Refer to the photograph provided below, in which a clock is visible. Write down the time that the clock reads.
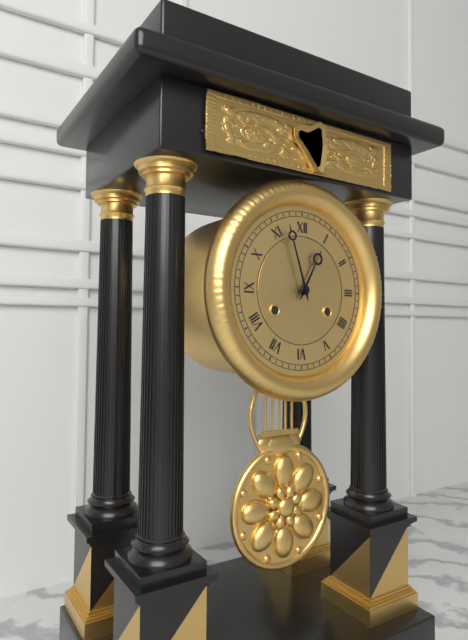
12:57
